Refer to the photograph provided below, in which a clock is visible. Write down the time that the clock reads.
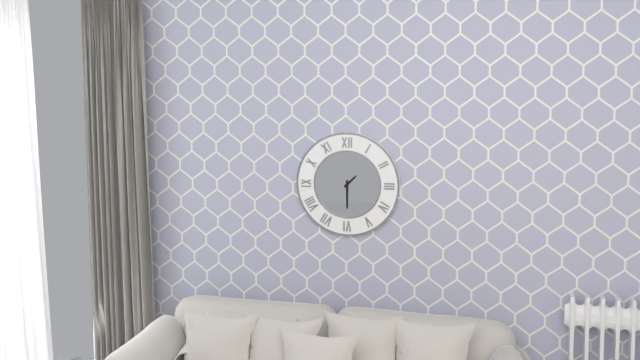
1:30
